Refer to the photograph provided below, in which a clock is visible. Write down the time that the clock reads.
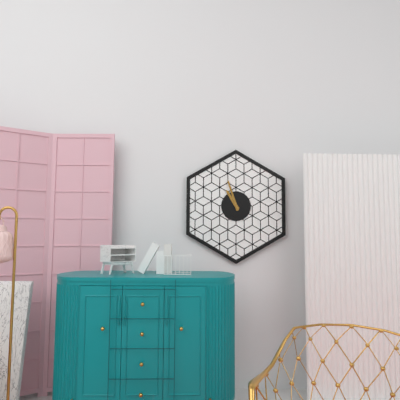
10:57
